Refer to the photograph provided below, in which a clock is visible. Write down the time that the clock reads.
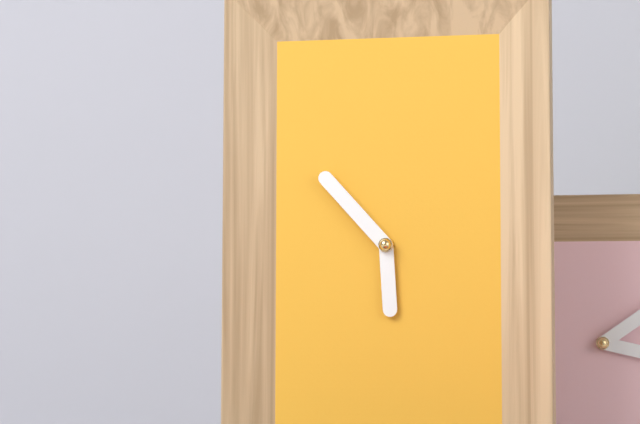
5:53
